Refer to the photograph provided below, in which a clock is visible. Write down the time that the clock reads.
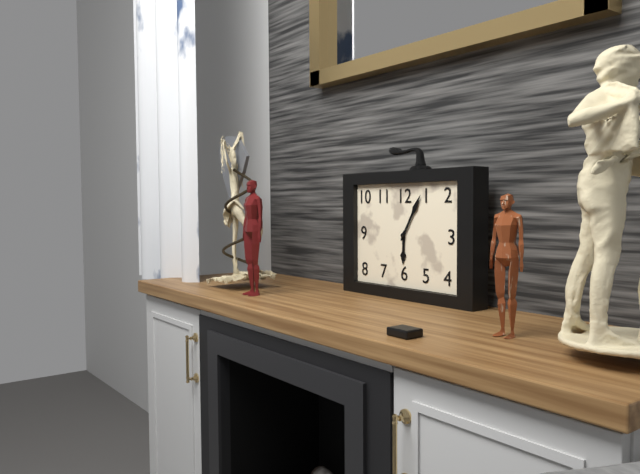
6:05
